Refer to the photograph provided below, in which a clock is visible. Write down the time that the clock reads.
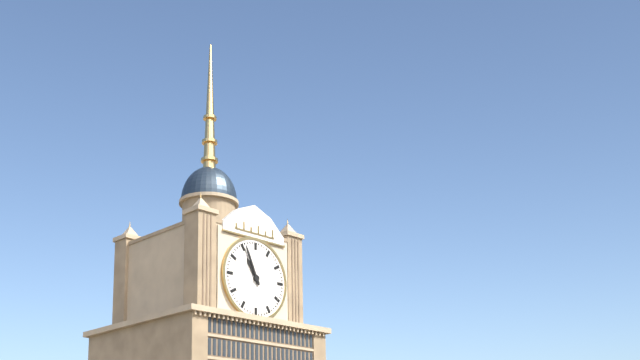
10:56
